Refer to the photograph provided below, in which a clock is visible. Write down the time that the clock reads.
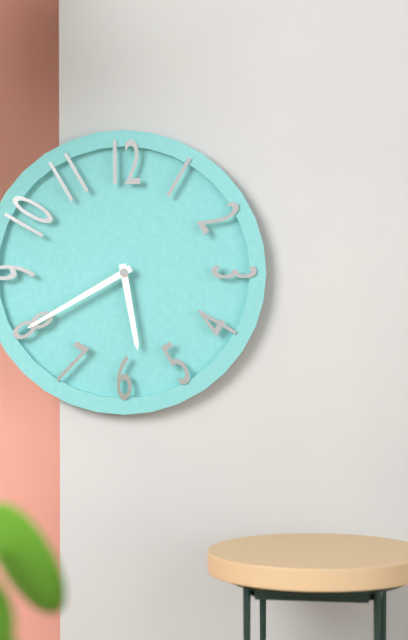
5:40
